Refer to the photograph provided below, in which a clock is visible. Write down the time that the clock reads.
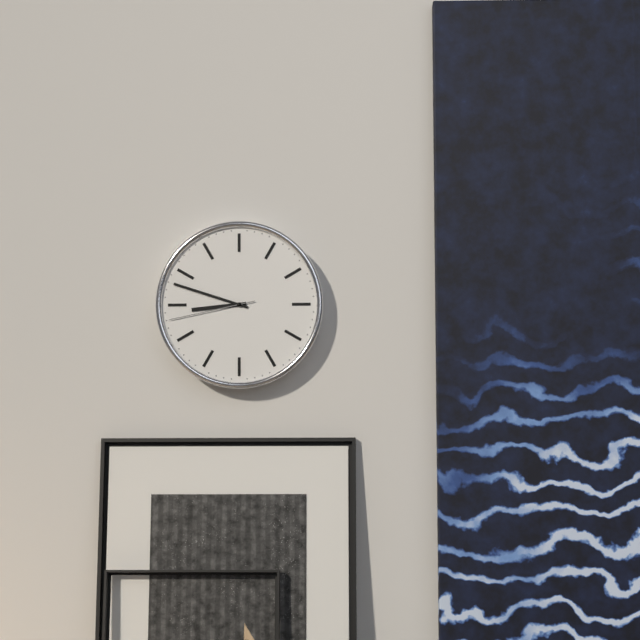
8:48:43
